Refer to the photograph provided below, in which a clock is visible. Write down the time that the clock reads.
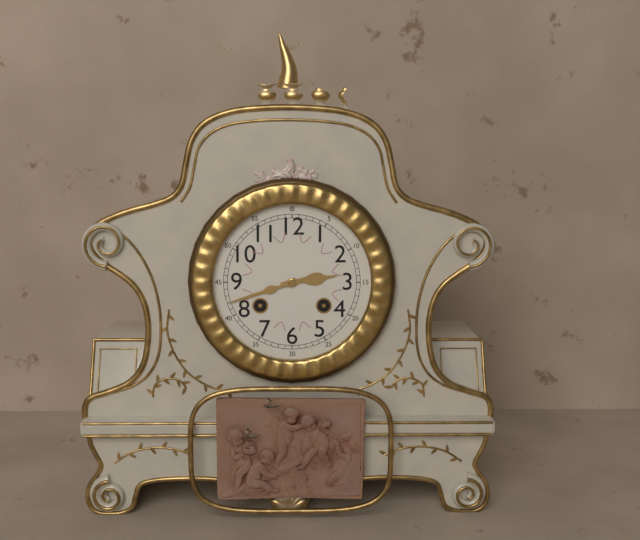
2:42
